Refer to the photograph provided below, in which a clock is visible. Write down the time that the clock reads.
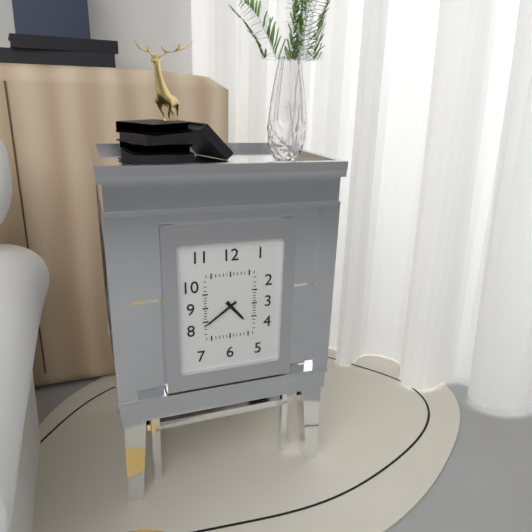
4:39
